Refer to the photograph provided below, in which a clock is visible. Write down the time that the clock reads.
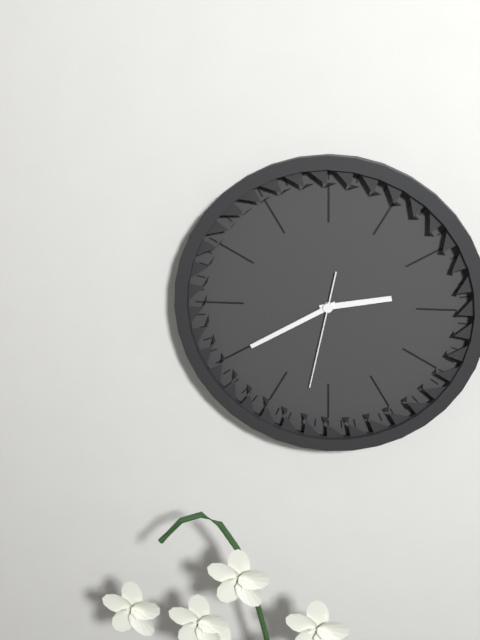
2:40:32
